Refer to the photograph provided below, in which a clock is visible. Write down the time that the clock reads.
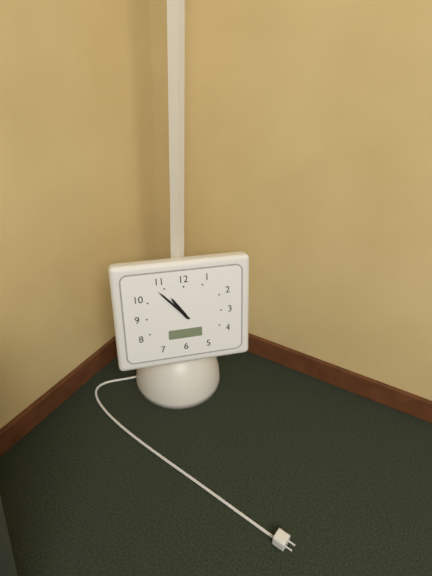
10:53
